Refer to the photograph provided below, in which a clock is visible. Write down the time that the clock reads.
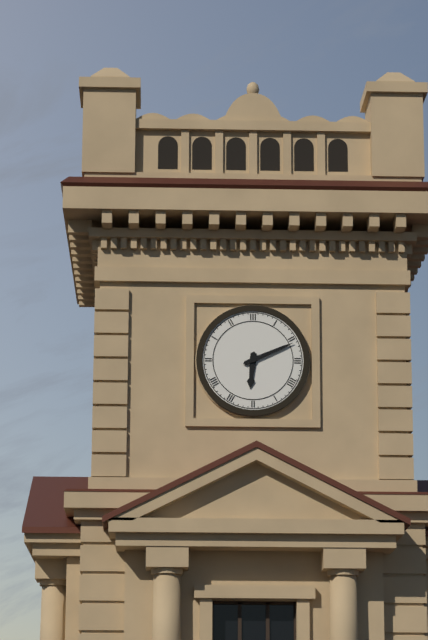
6:11
